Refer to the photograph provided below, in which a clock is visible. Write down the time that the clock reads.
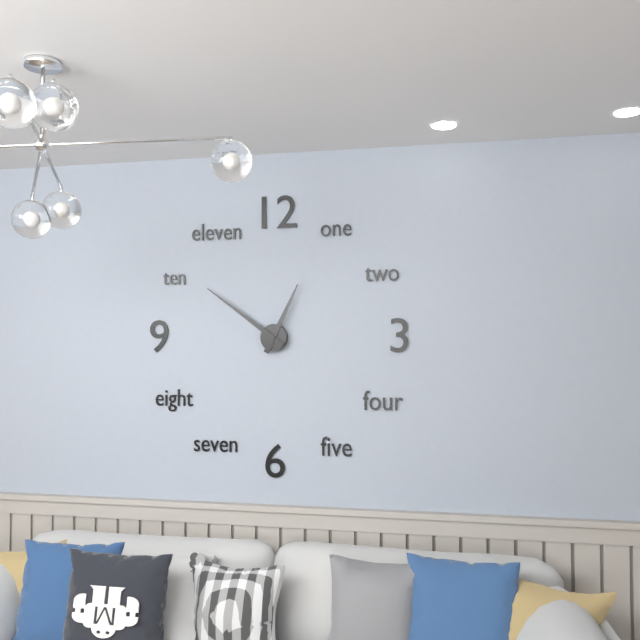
12:51
